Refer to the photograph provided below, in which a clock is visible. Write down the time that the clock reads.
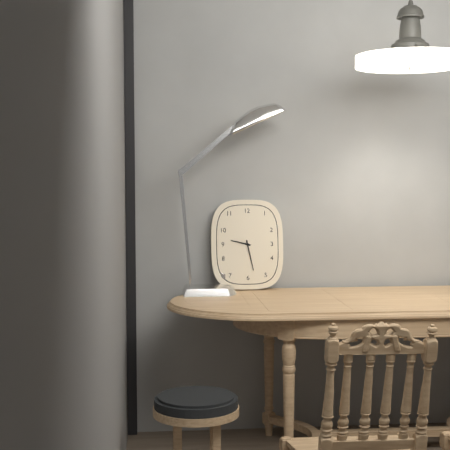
9:28
